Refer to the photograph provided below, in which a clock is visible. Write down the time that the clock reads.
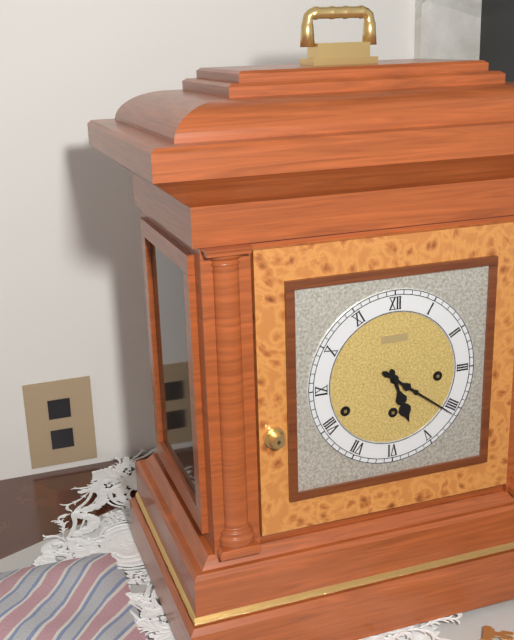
5:21
